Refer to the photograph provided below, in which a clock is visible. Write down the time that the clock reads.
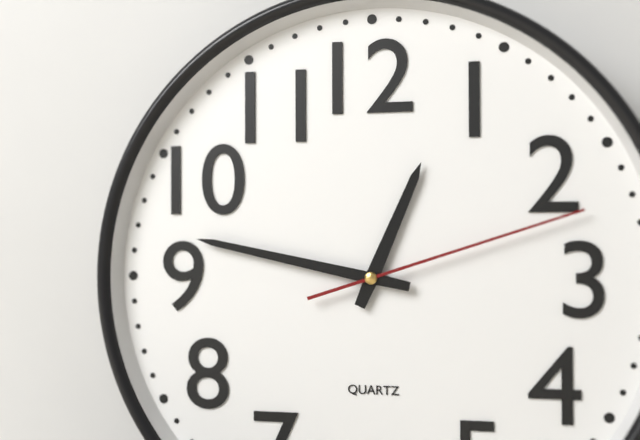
12:47:12
